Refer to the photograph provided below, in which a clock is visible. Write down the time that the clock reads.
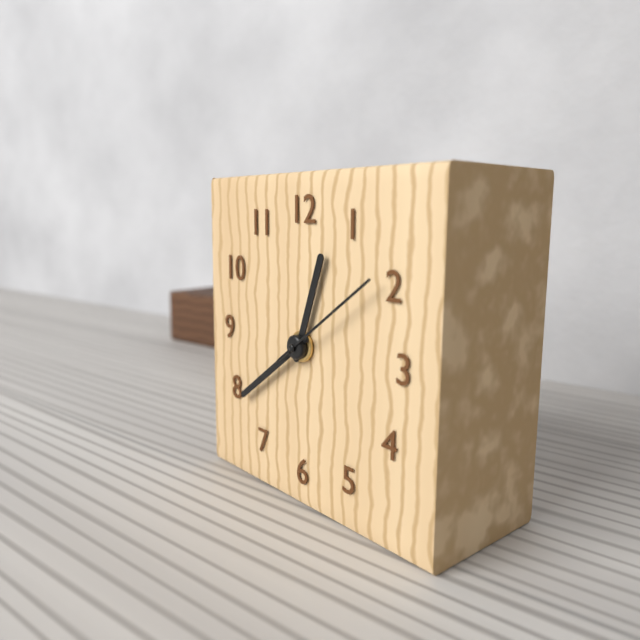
12:39:09
